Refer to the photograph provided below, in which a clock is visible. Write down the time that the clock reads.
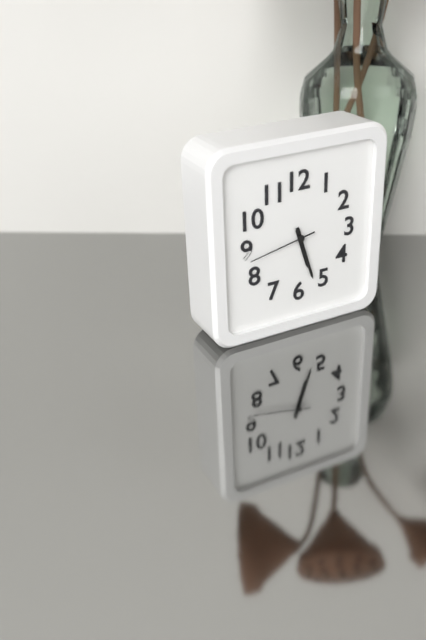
5:27:43
